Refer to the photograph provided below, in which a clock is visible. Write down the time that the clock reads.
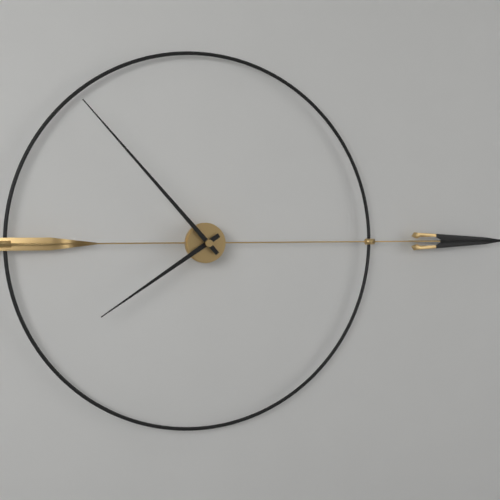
7:53
